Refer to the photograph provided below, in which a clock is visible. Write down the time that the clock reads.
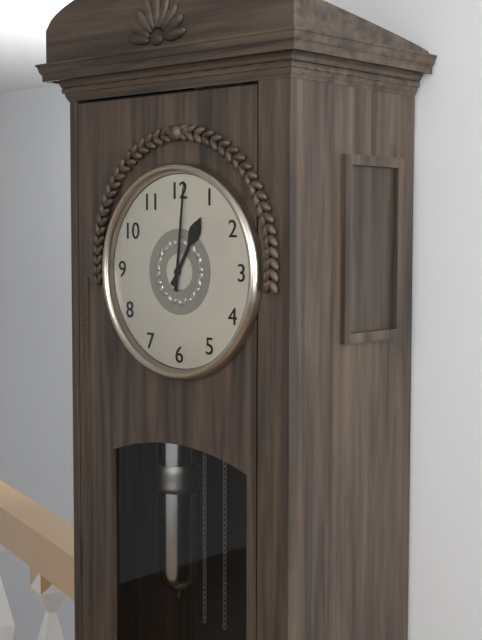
1:01
